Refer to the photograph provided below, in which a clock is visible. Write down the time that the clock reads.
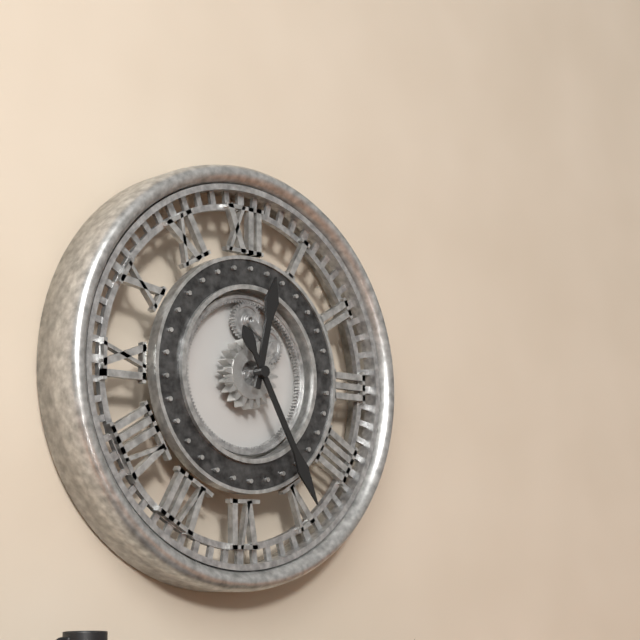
12:25
